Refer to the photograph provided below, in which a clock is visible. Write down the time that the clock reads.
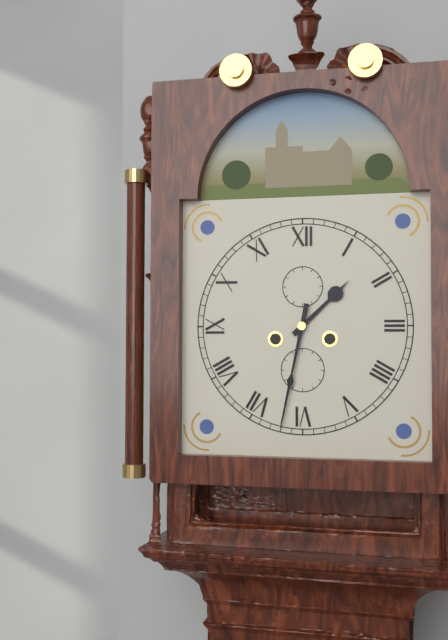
1:32
